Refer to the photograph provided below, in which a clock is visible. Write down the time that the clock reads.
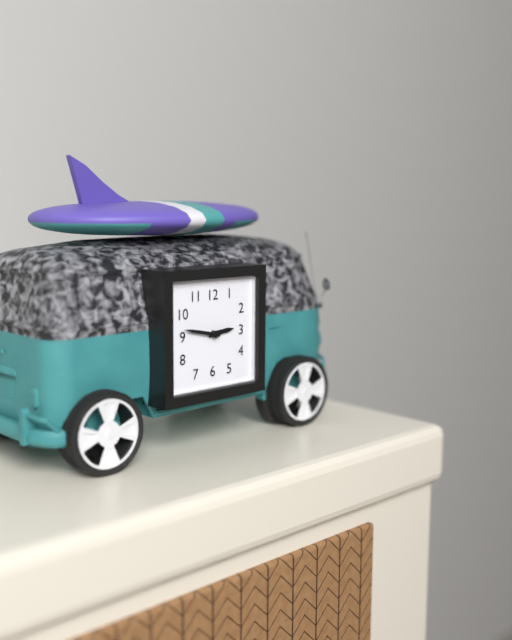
2:47
